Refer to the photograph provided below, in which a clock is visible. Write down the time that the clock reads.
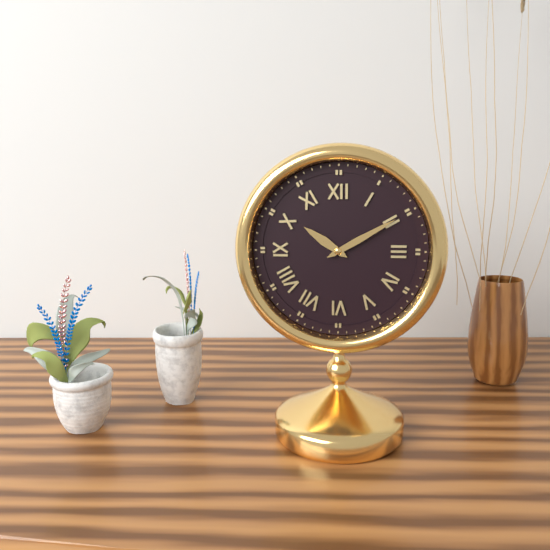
10:10
